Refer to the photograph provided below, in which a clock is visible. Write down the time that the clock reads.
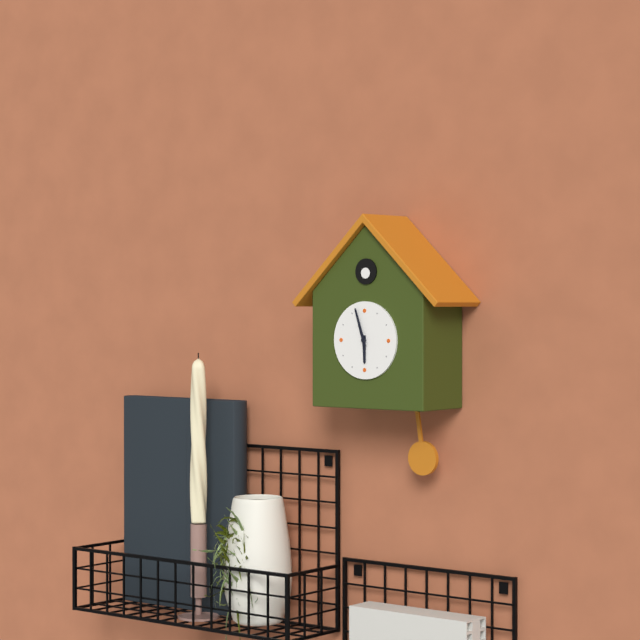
5:57
